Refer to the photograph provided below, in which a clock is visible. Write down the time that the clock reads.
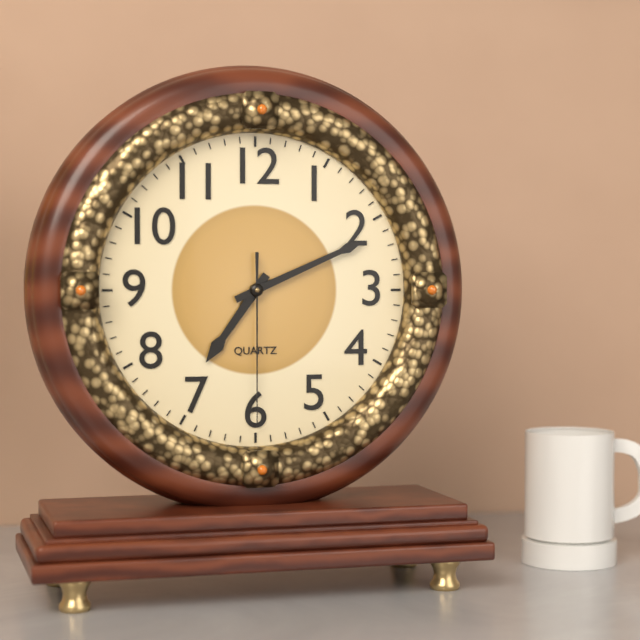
7:11:30
